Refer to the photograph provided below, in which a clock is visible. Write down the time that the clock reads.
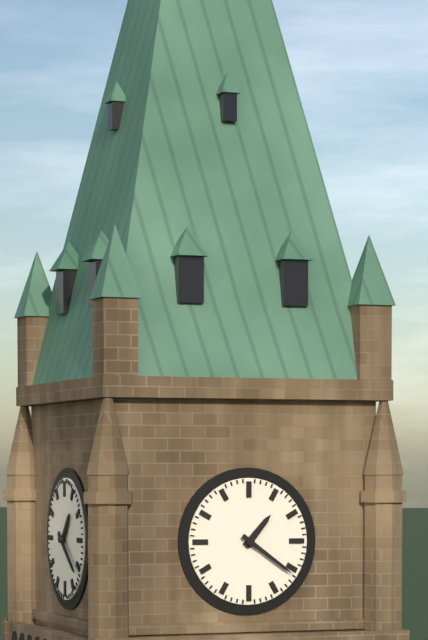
1:21
